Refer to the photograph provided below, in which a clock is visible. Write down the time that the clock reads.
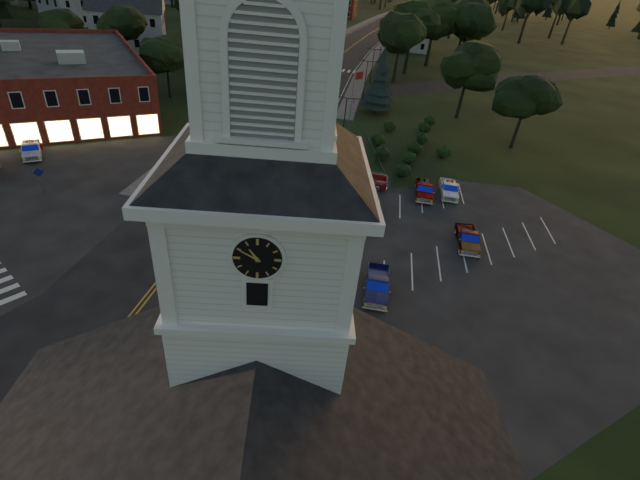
10:50
